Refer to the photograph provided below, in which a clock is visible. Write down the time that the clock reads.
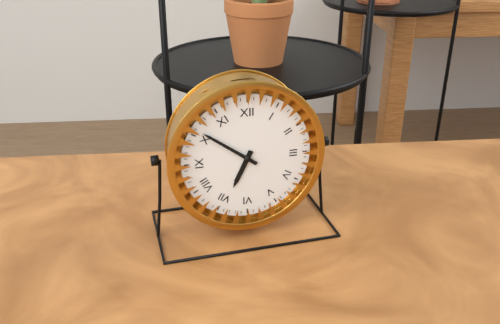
6:51
